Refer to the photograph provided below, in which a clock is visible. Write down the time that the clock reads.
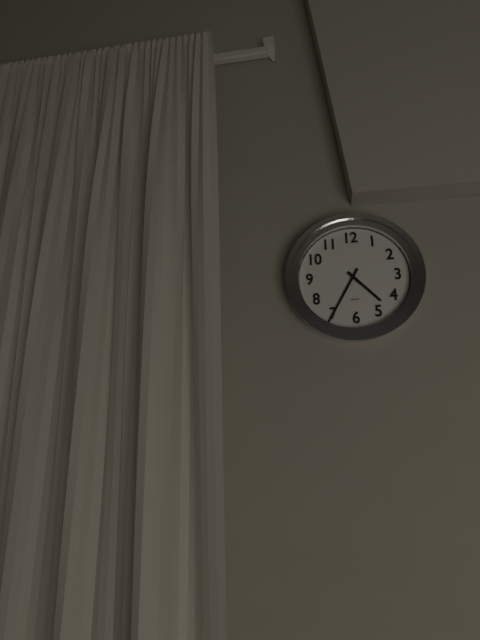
4:35
